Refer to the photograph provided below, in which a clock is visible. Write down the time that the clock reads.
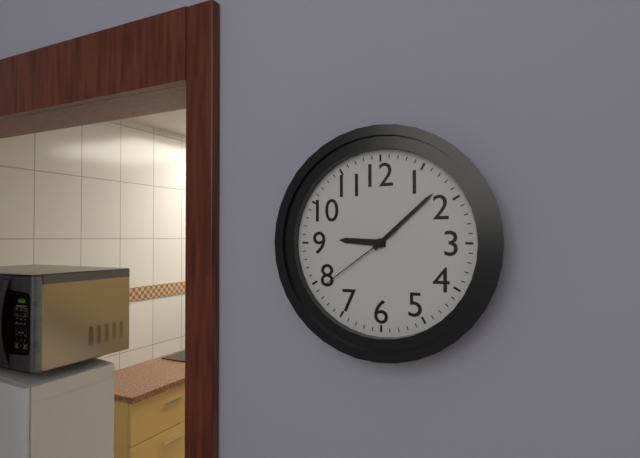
9:08:39
